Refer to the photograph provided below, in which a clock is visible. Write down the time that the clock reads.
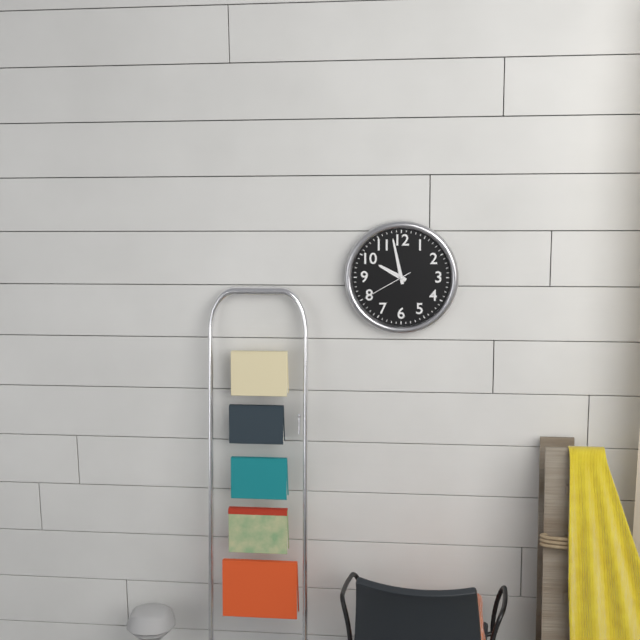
9:58:40
